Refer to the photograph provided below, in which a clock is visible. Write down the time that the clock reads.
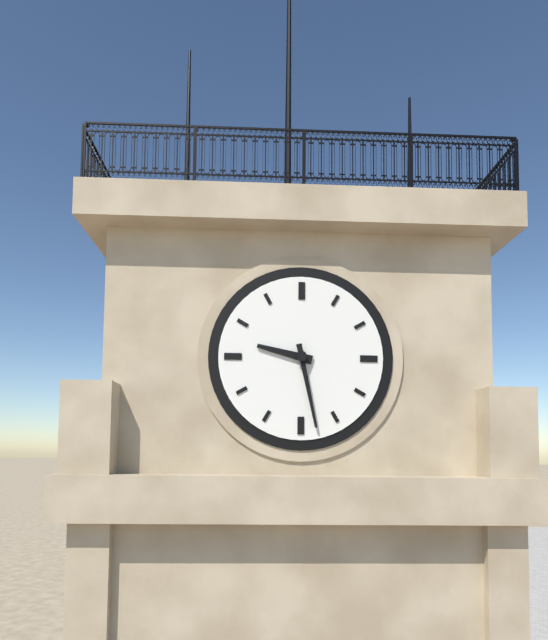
9:28
